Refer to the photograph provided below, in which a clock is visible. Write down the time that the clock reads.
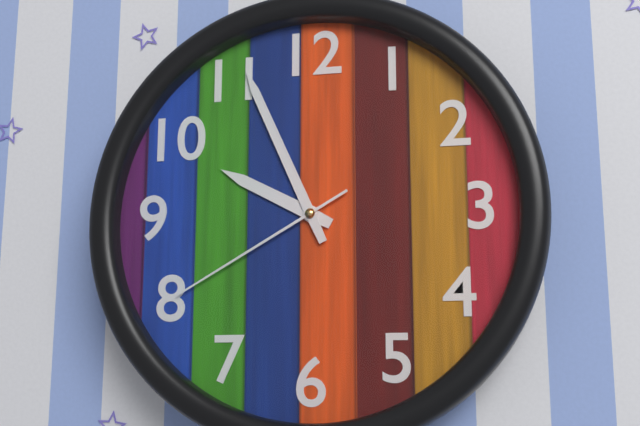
9:56:40
